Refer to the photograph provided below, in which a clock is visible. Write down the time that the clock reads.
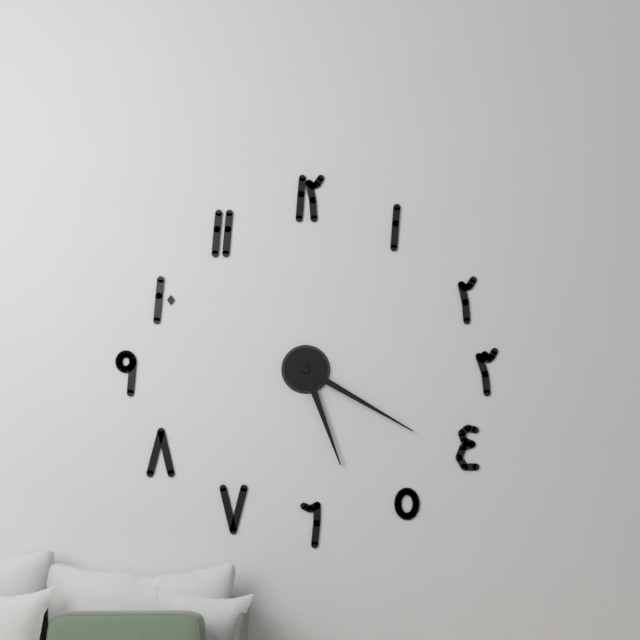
5:20
